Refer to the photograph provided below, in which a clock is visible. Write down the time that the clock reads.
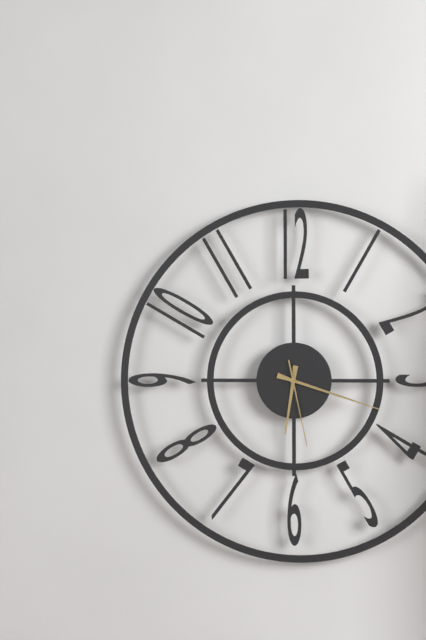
6:18:28
